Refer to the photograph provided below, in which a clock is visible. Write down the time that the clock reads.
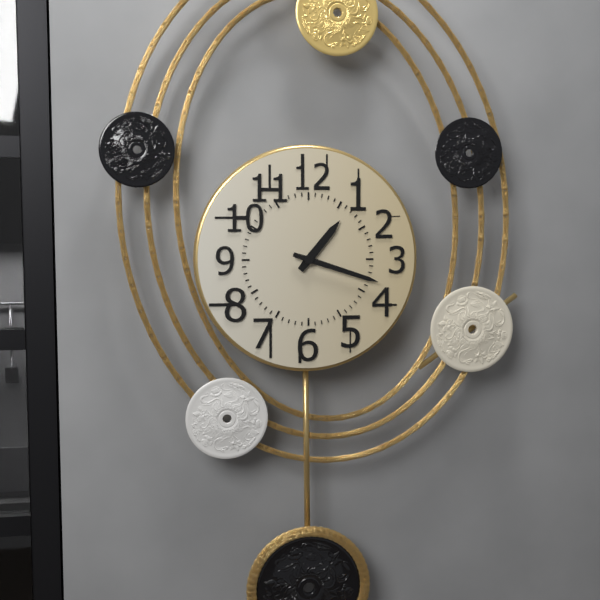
1:18
